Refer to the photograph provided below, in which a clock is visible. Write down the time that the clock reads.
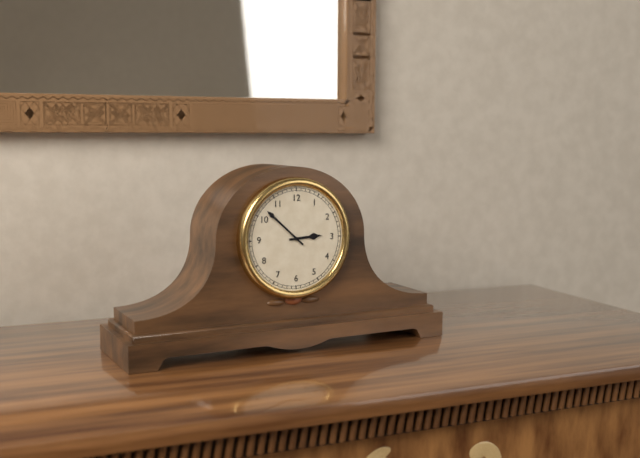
2:52
